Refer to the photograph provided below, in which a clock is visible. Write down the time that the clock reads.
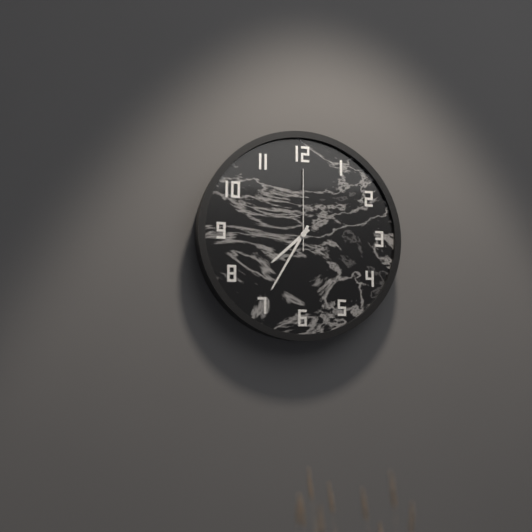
7:35:00
